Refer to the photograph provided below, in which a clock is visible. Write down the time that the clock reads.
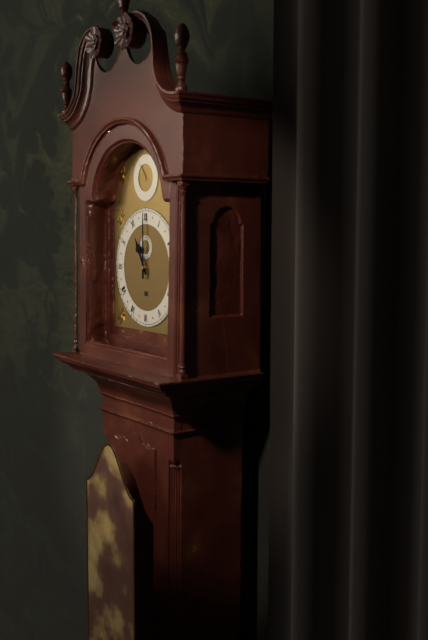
11:00
